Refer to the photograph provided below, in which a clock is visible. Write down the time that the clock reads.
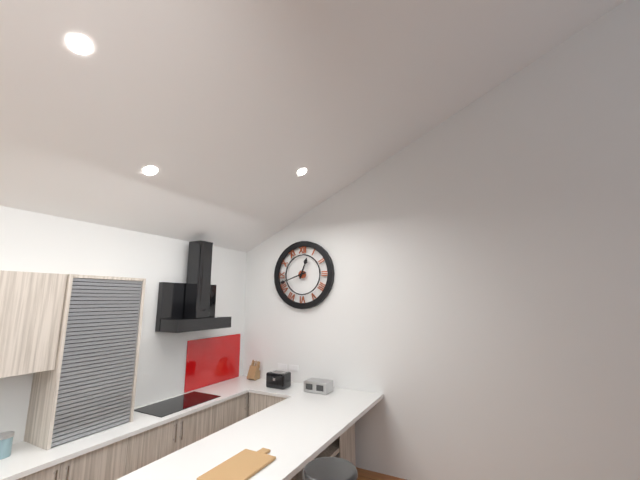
12:42
